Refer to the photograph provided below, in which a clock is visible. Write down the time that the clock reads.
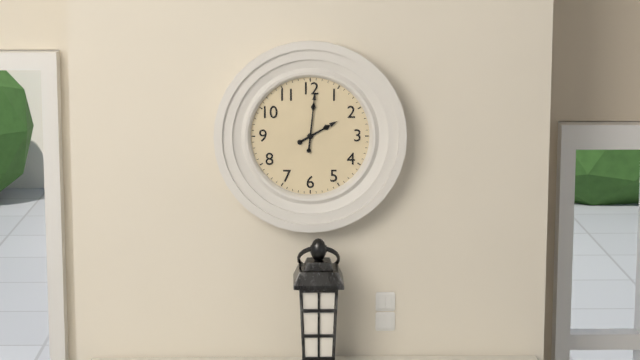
2:01
